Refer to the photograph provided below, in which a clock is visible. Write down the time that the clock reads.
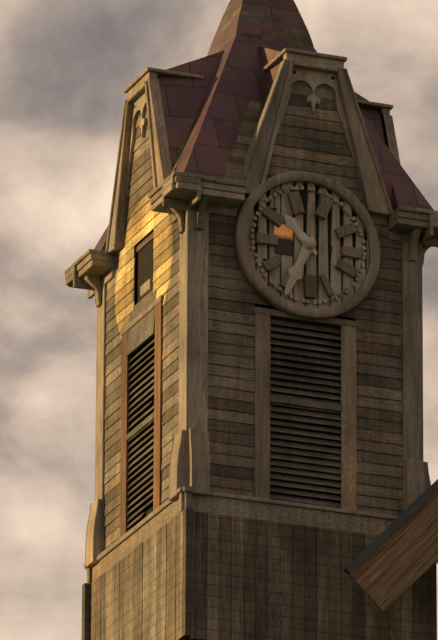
10:34
